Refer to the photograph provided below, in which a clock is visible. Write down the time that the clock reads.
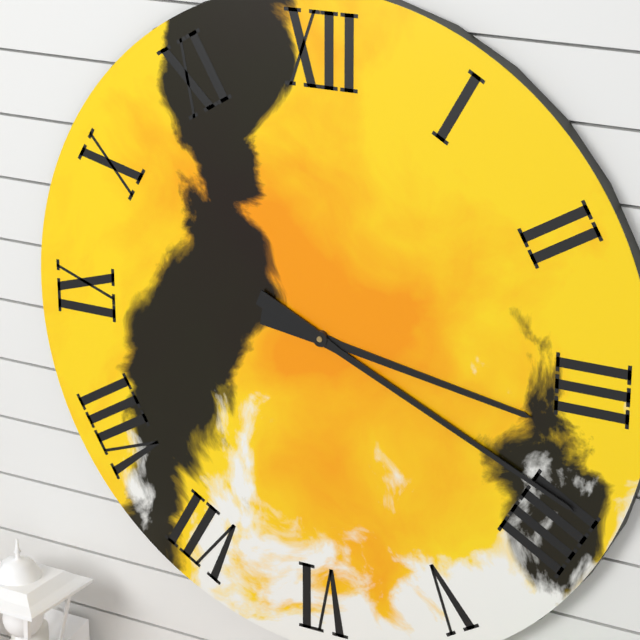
3:19
